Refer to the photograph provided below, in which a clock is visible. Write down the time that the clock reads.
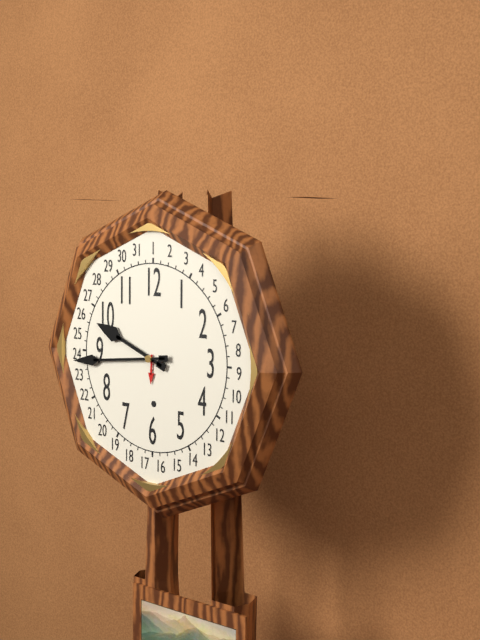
9:44
